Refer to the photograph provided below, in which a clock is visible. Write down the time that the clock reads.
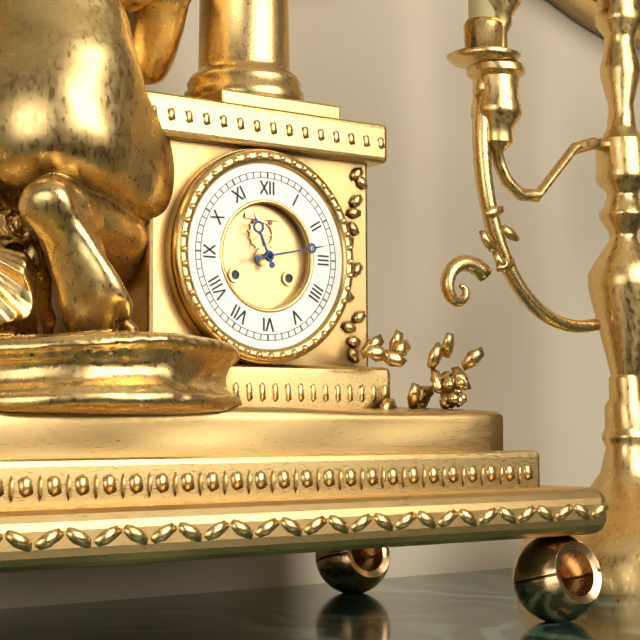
11:13
